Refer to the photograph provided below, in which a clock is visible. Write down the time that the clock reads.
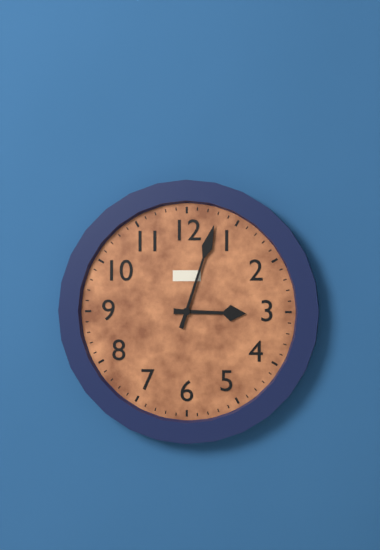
3:03
